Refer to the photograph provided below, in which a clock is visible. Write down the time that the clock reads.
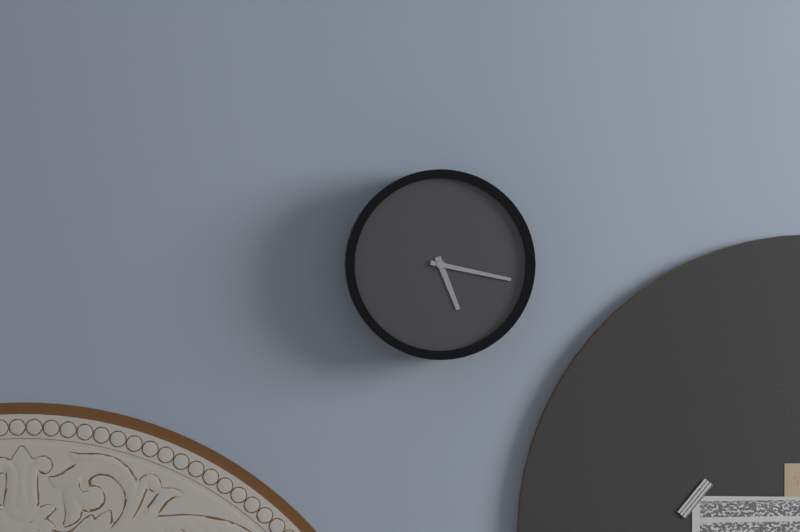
5:17
